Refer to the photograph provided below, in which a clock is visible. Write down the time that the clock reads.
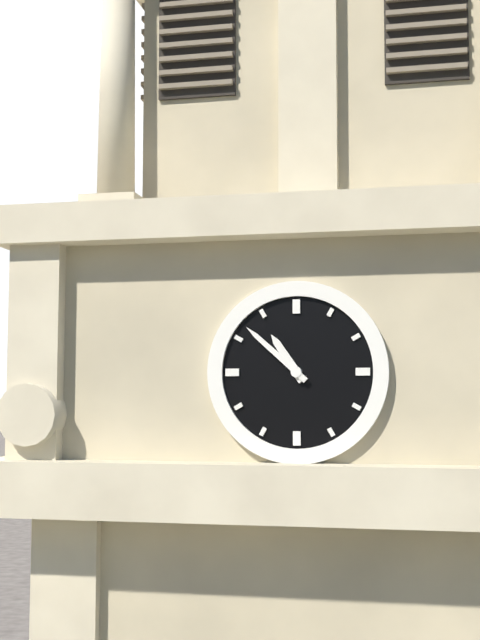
10:52
